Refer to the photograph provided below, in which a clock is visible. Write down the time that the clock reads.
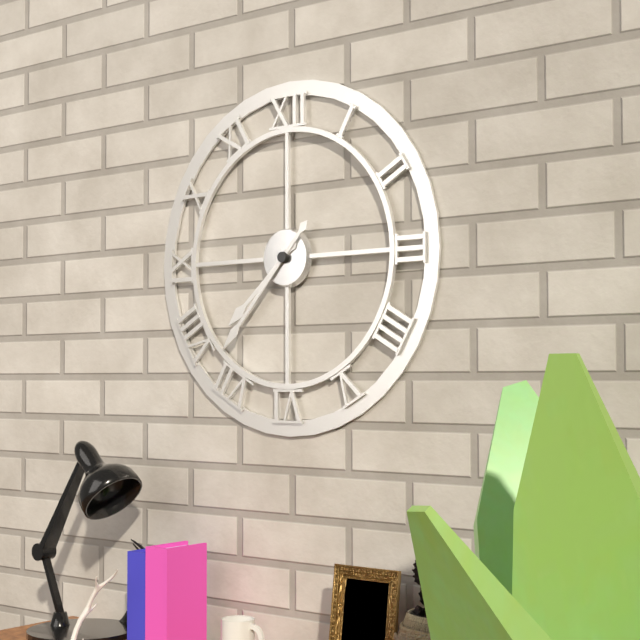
7:37
